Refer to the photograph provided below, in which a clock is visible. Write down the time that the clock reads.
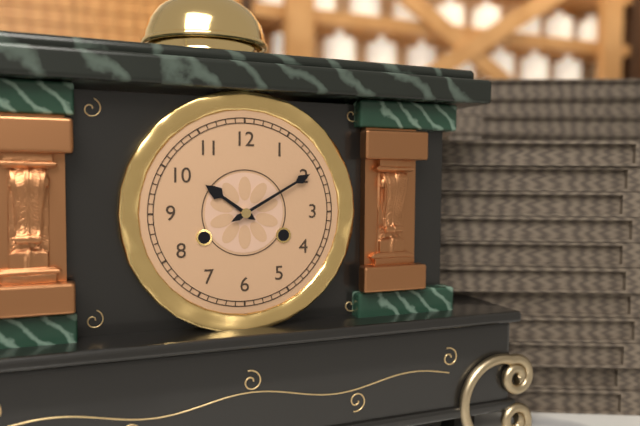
10:10
